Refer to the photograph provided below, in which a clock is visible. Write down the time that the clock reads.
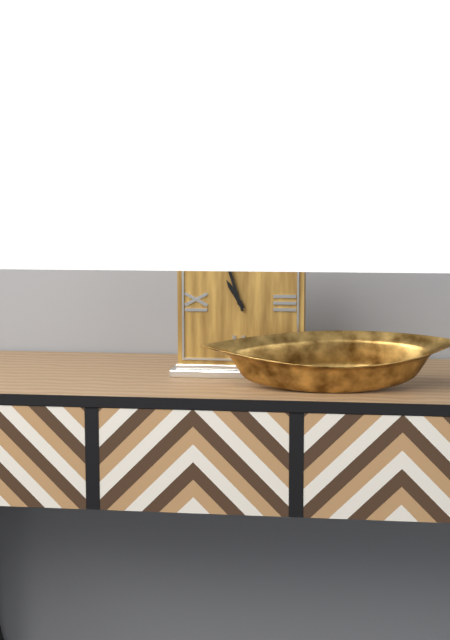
10:57
